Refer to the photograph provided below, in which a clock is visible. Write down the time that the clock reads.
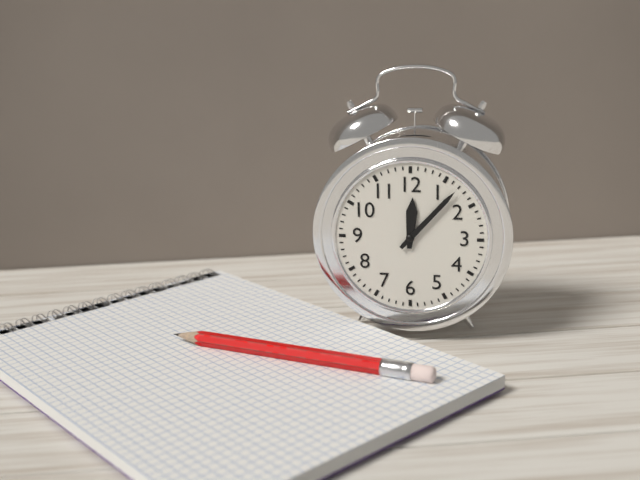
12:07
